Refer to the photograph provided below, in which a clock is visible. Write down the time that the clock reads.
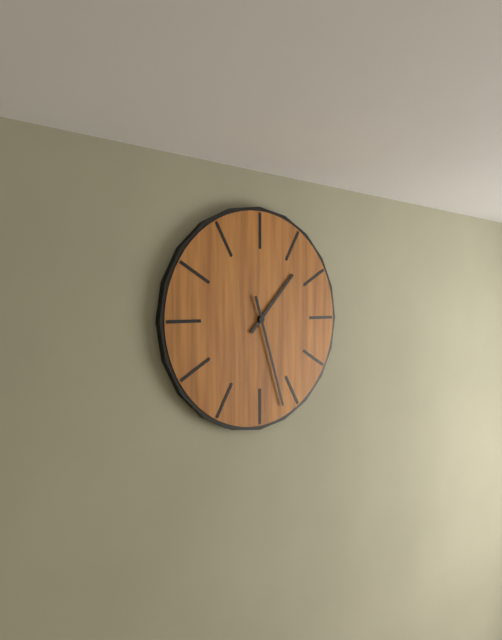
1:27
